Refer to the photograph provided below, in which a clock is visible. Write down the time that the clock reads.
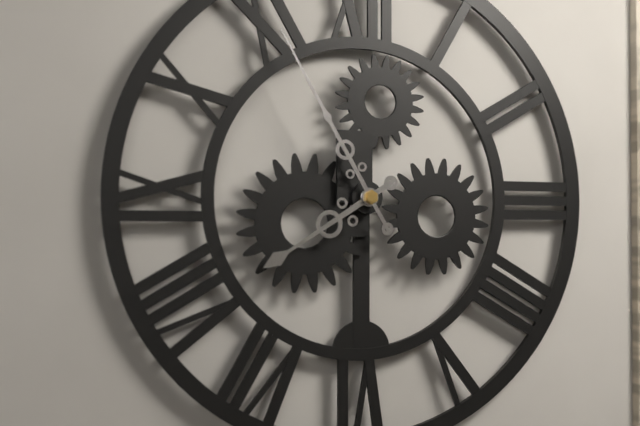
7:55
